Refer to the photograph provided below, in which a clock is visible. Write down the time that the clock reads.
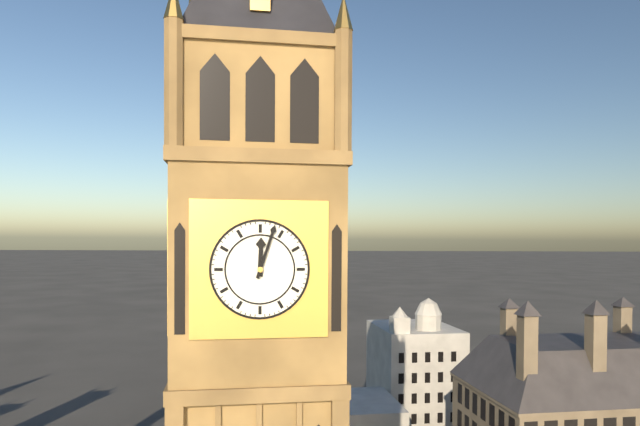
12:03
